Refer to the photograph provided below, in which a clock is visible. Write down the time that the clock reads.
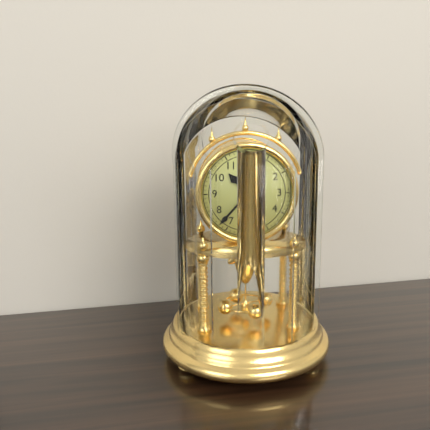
10:37
